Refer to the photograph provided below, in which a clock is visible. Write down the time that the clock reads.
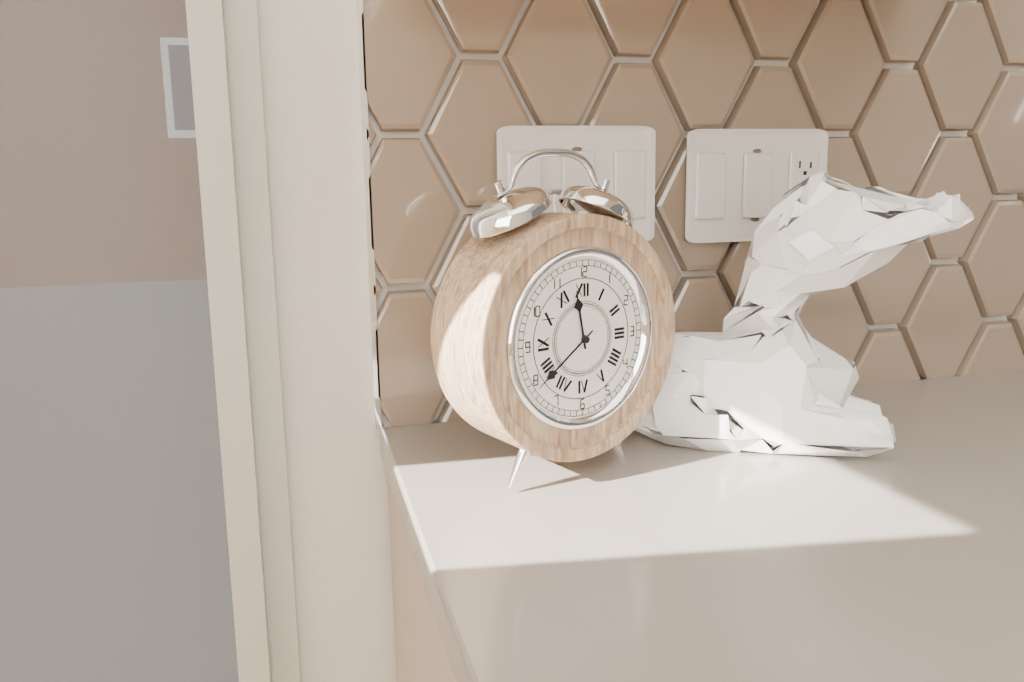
11:39
